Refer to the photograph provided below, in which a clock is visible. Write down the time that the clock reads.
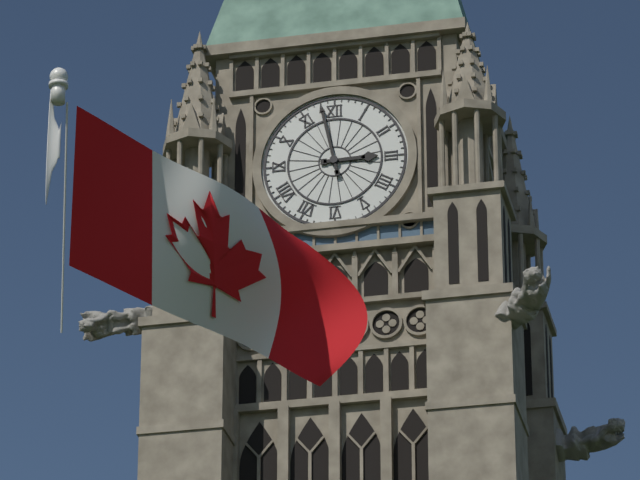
2:58
